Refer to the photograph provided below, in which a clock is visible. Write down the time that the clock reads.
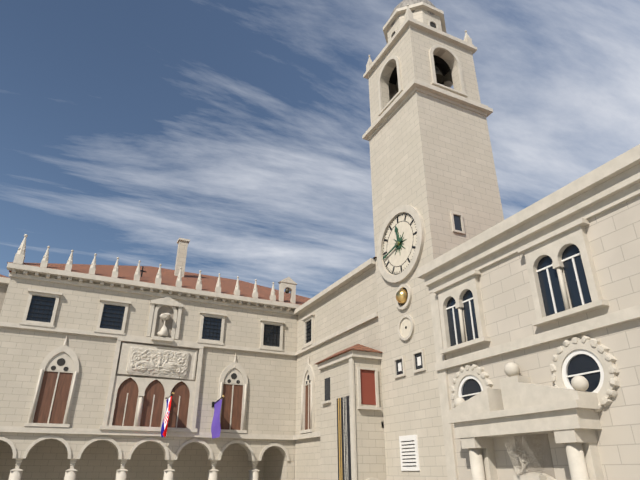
11:43
